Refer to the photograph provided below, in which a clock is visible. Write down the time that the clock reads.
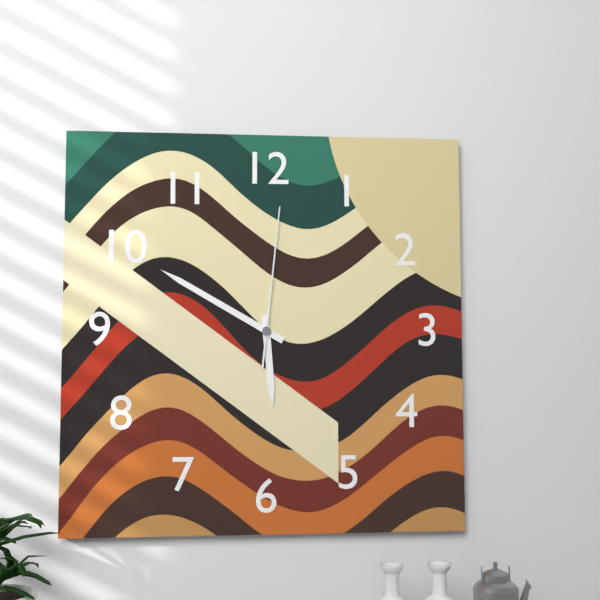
5:50:01
